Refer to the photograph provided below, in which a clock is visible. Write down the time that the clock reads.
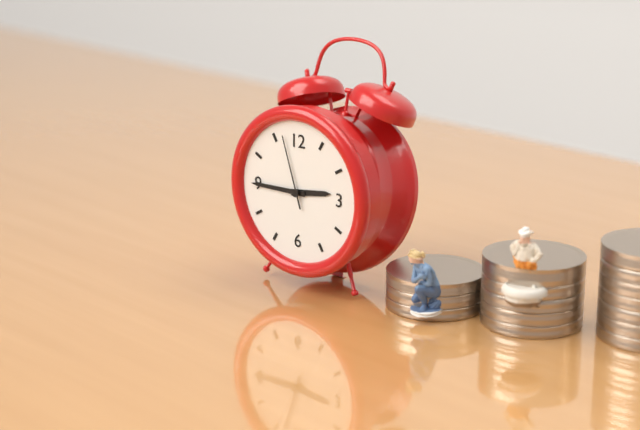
2:45:57
